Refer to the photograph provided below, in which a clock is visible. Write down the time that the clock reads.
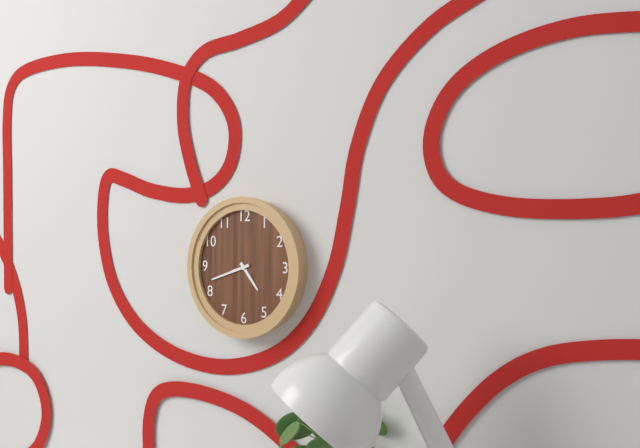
4:42
